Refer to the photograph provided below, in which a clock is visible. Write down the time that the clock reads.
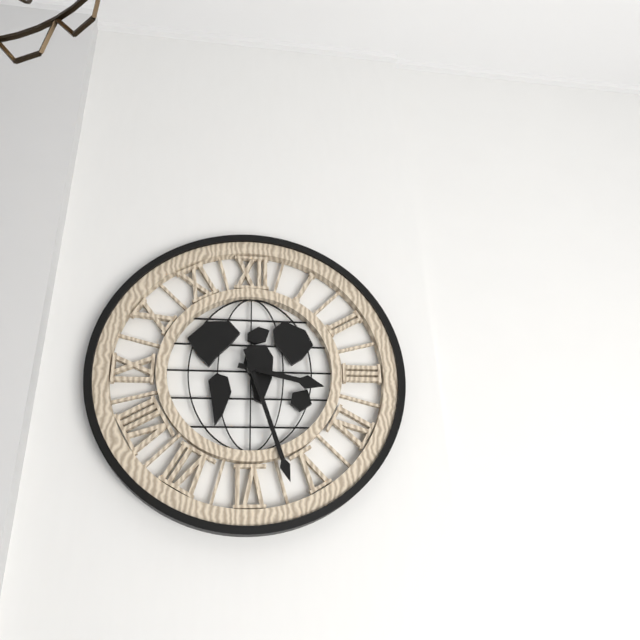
3:27
